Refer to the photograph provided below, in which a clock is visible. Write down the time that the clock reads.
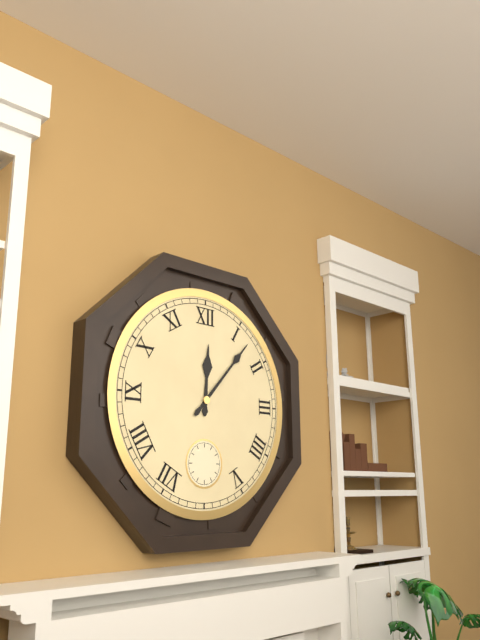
12:07
